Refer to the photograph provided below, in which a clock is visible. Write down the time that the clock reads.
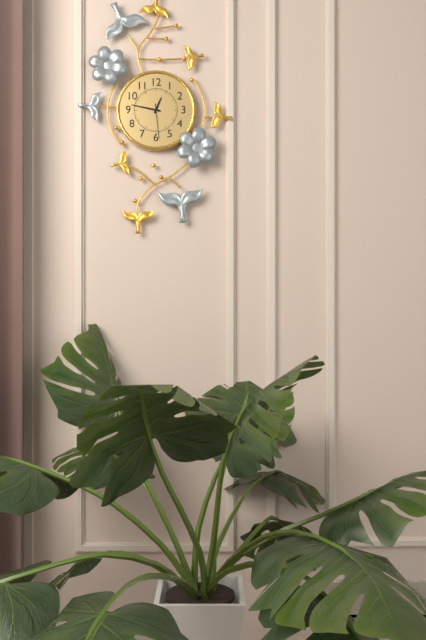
12:47
